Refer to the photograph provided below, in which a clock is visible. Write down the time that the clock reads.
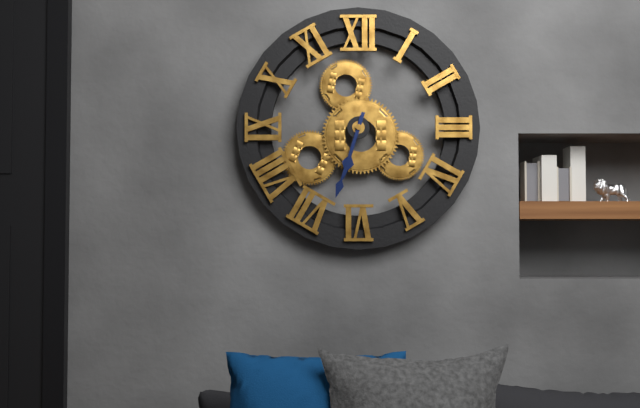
6:33
